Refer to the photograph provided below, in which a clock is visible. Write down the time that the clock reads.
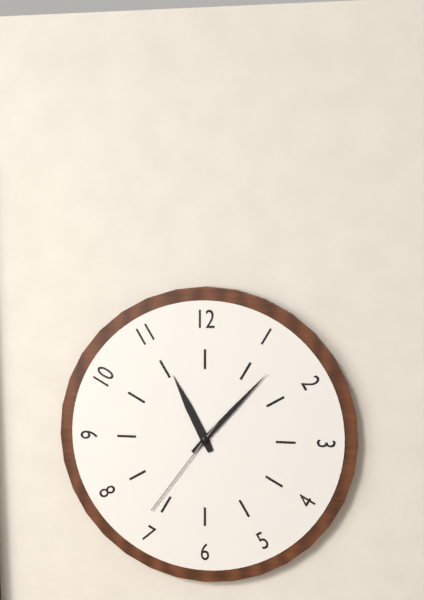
11:07:36
